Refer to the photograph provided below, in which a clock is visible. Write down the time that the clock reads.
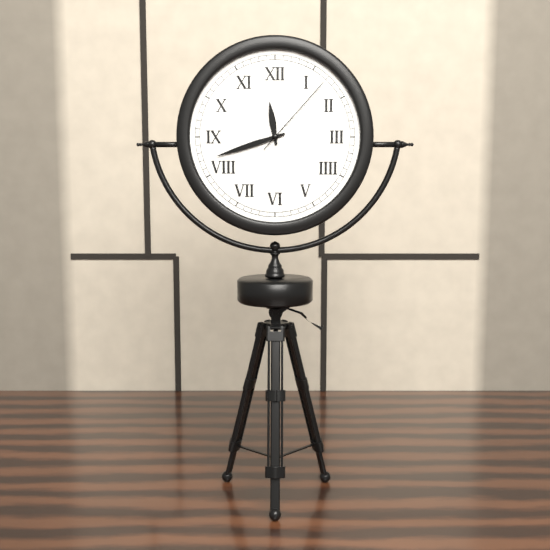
11:42:07
